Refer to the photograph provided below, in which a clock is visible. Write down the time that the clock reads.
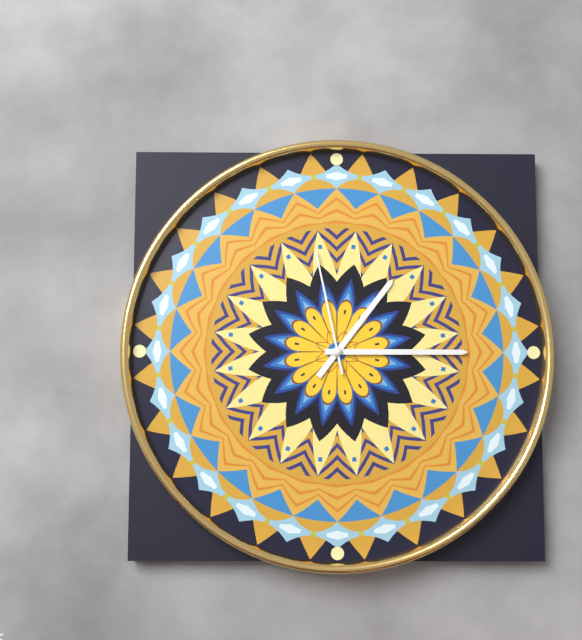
1:15:58
